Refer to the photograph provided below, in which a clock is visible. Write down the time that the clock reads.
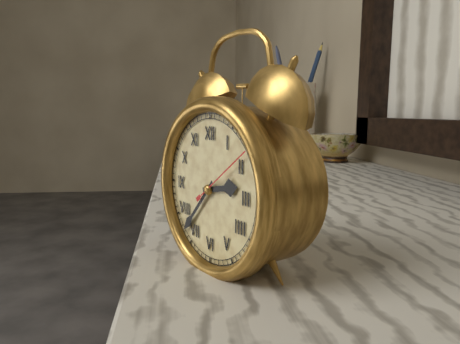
2:37:09
